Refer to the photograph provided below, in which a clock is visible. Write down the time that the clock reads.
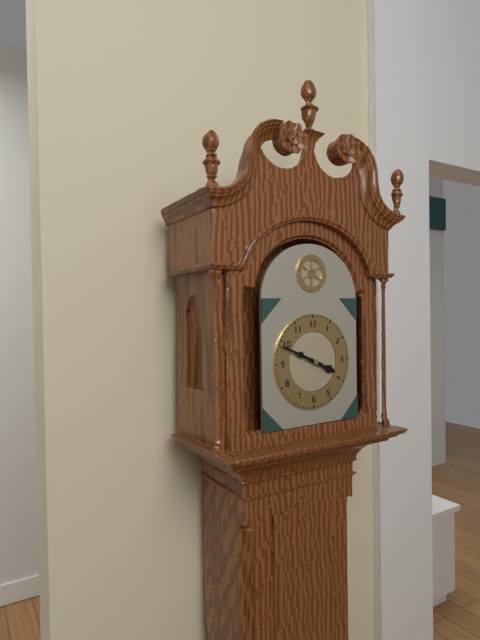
3:49
